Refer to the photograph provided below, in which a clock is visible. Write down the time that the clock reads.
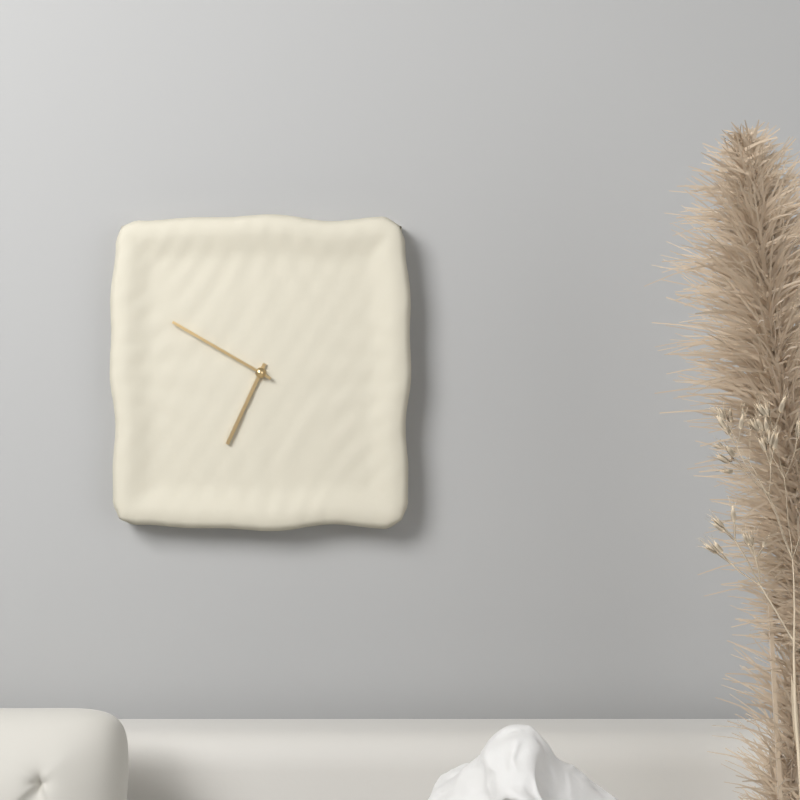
6:50
